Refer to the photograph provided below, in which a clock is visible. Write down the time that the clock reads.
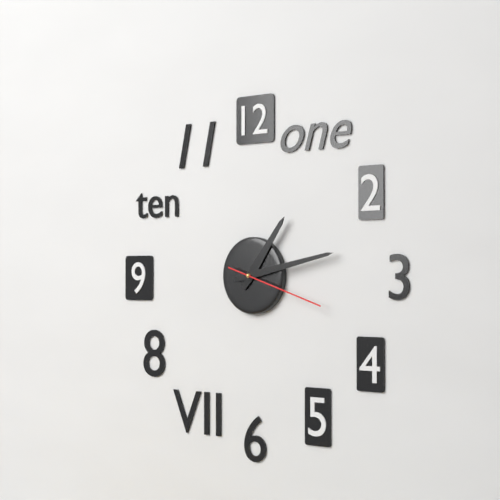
1:13:18
